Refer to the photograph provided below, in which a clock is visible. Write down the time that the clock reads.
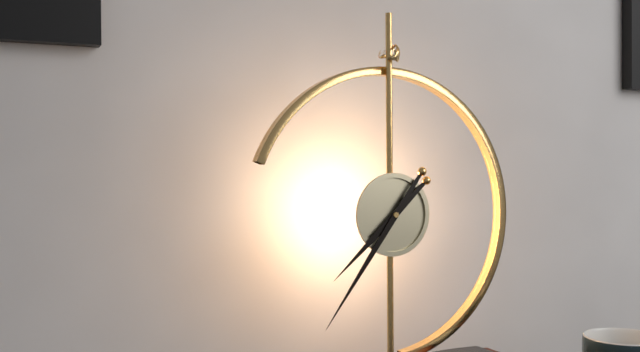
7:36
